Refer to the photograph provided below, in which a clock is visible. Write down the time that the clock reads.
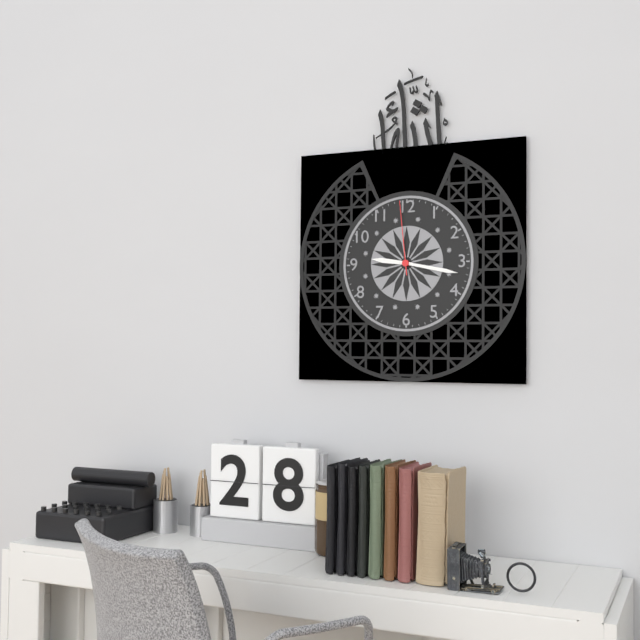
9:17:59
